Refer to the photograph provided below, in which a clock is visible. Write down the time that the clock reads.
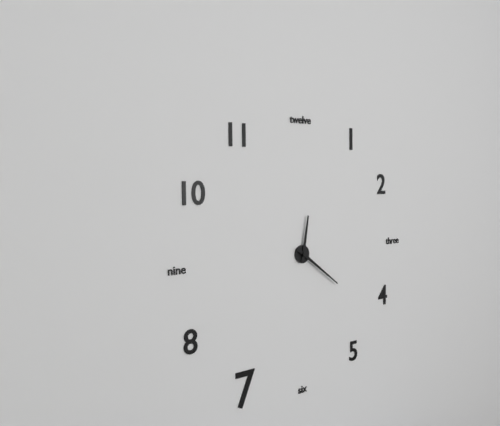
12:21
